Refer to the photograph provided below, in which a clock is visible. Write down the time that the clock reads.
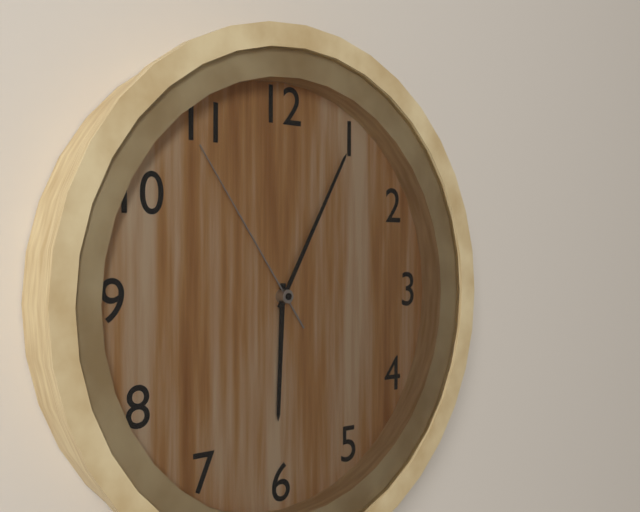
6:05:54
